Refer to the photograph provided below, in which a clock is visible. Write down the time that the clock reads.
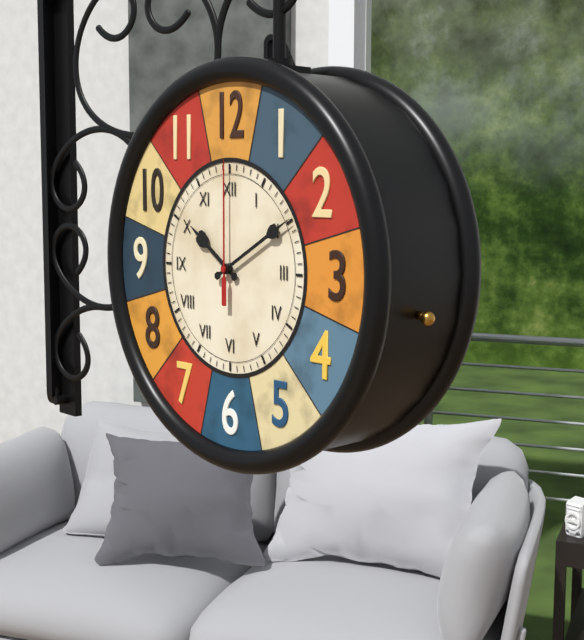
10:10:00
